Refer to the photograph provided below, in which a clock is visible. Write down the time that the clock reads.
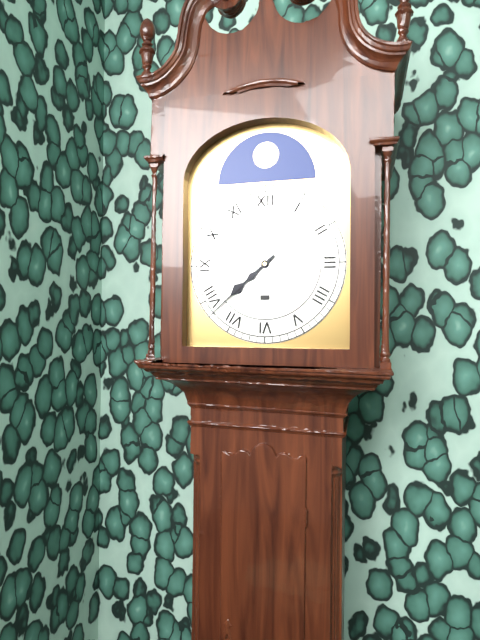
7:38
